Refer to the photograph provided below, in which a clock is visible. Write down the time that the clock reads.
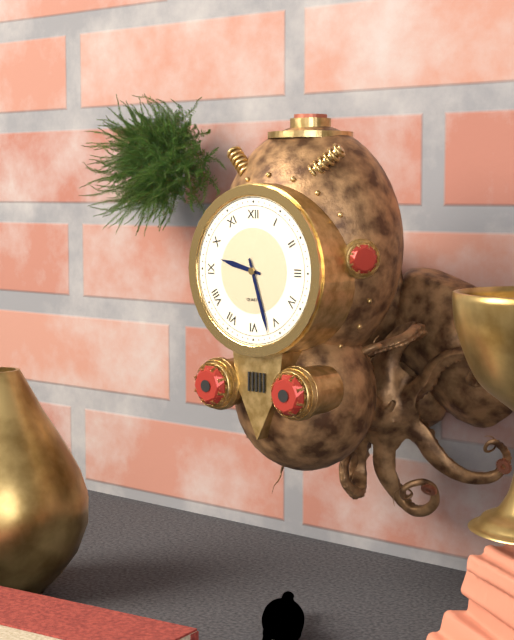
9:27
